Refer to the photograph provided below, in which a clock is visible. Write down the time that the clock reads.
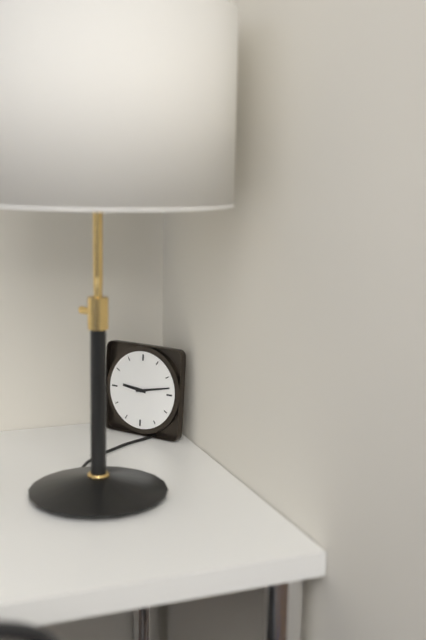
9:13
